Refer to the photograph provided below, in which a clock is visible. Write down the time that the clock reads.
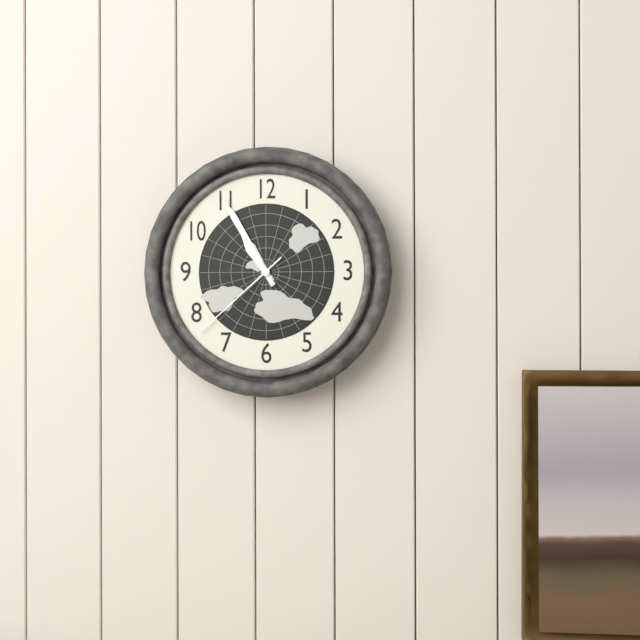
10:55:38
